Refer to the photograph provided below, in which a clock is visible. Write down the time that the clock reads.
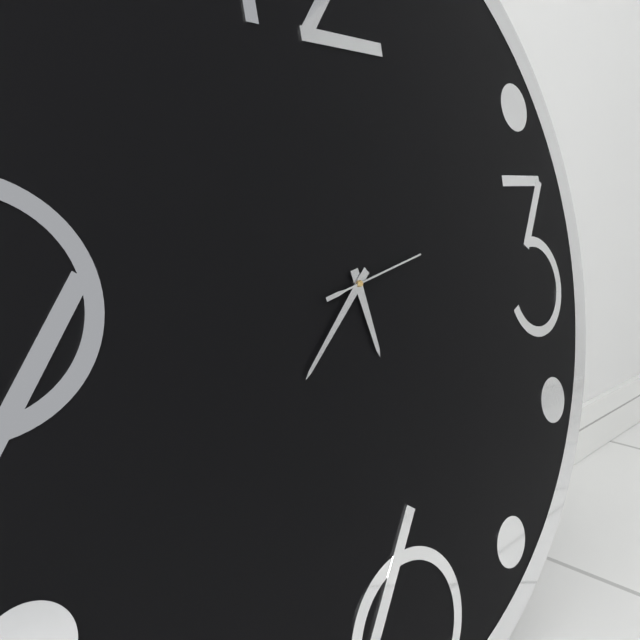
5:38:13
